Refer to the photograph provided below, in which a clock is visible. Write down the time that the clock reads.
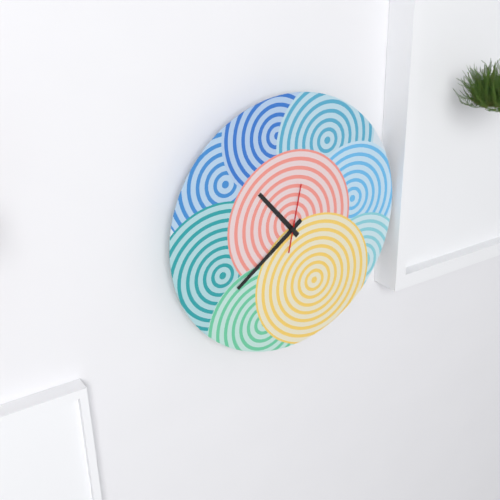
10:39:02
